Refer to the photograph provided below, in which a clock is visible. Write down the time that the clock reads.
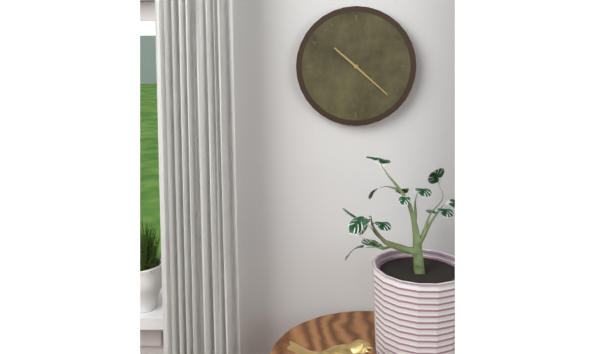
10:22
